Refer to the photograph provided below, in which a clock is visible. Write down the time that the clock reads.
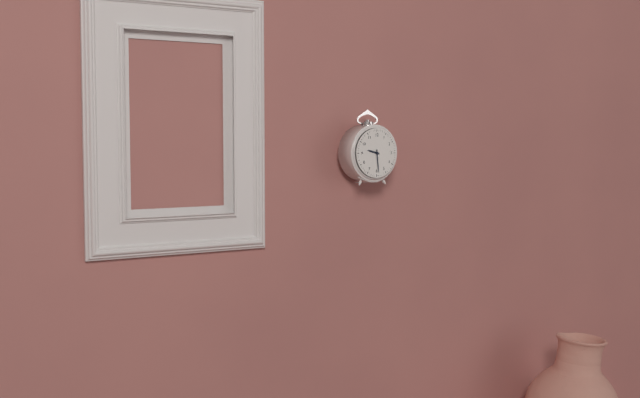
9:29
